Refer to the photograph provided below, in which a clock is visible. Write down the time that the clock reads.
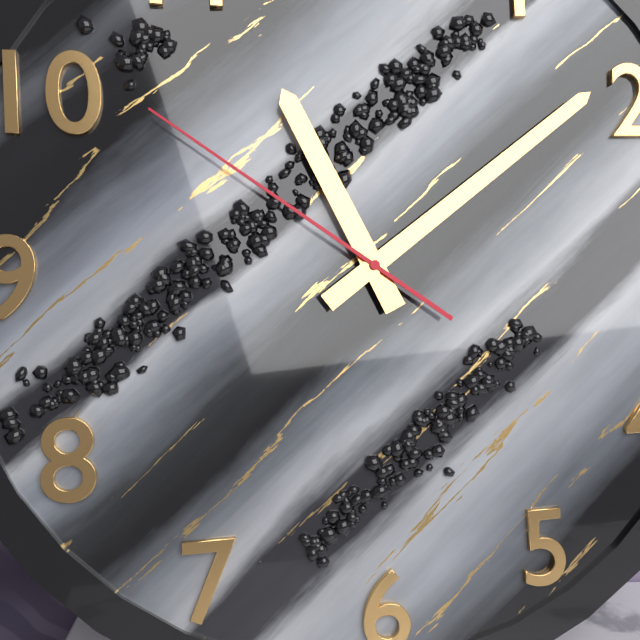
11:09:51
